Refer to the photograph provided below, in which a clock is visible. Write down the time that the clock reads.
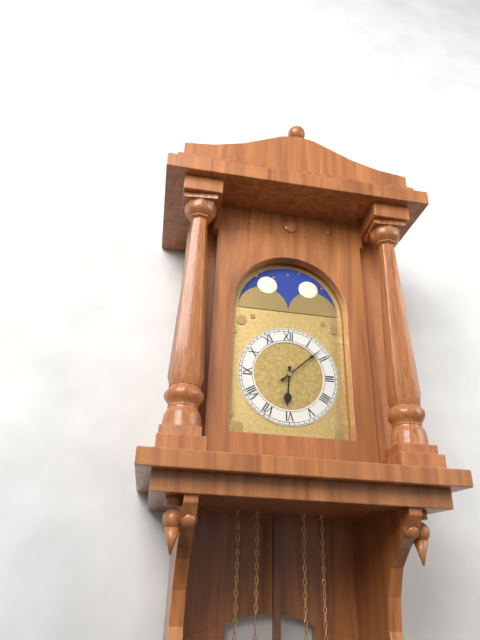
6:08
